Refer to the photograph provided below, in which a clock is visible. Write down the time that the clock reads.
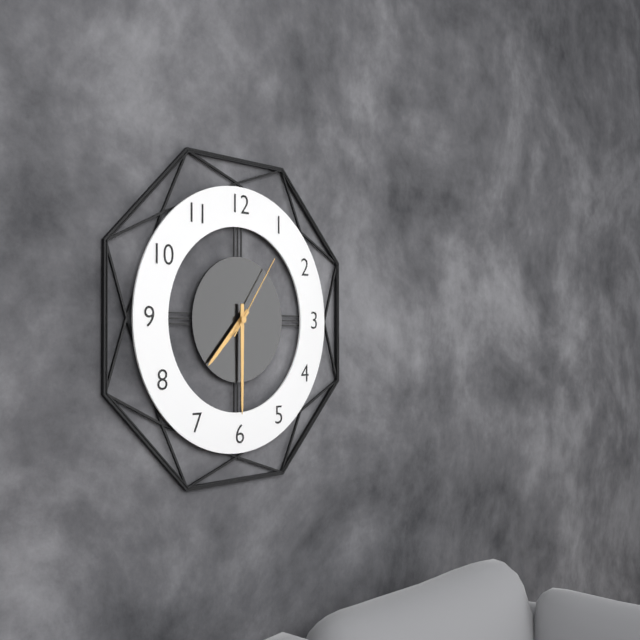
7:30:06
